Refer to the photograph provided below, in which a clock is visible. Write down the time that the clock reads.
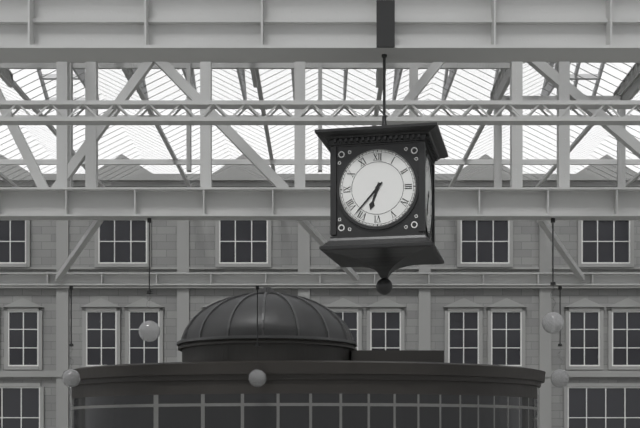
6:37
